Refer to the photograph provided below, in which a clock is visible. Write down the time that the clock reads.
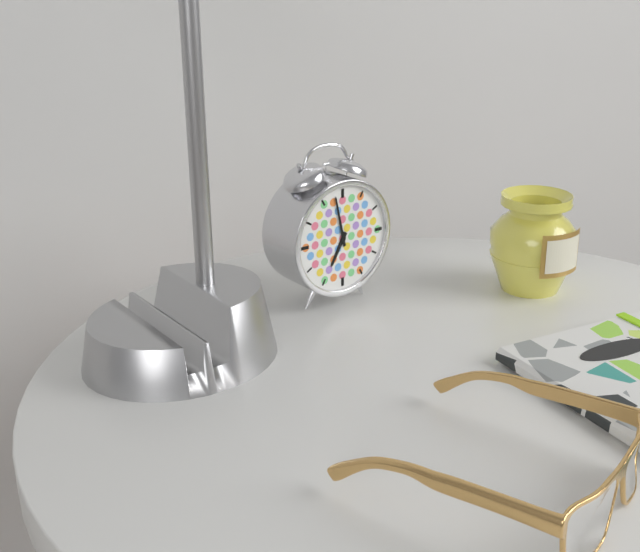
6:58
